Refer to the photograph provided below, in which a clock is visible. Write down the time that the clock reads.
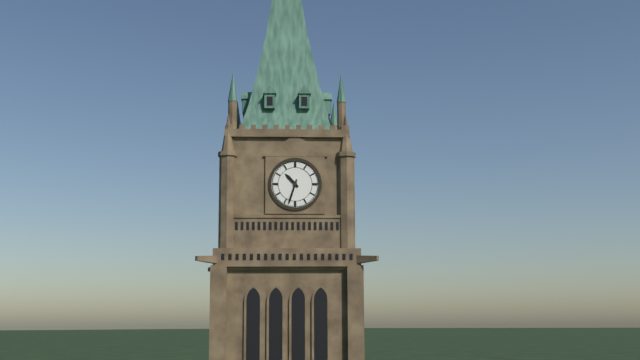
10:33
